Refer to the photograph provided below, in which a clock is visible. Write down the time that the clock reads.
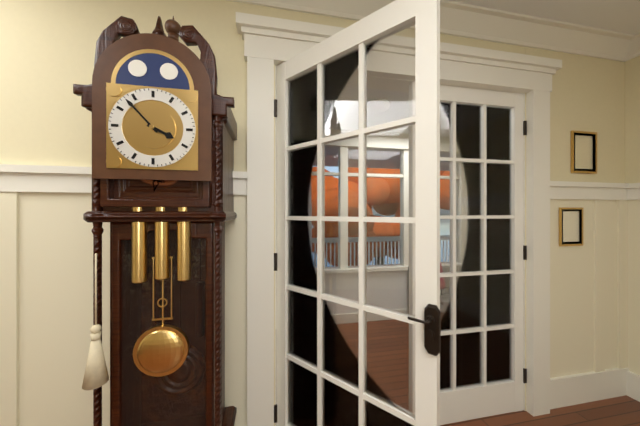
3:53
